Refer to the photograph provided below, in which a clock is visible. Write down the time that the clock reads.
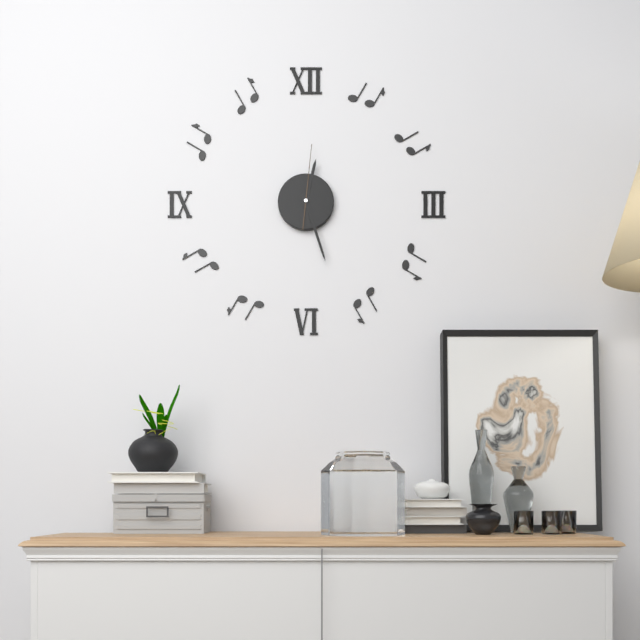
12:27:01
